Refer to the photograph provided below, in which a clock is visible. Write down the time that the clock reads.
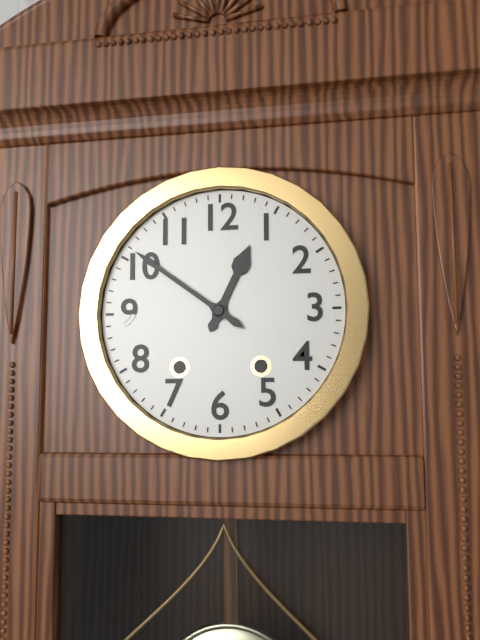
12:51
